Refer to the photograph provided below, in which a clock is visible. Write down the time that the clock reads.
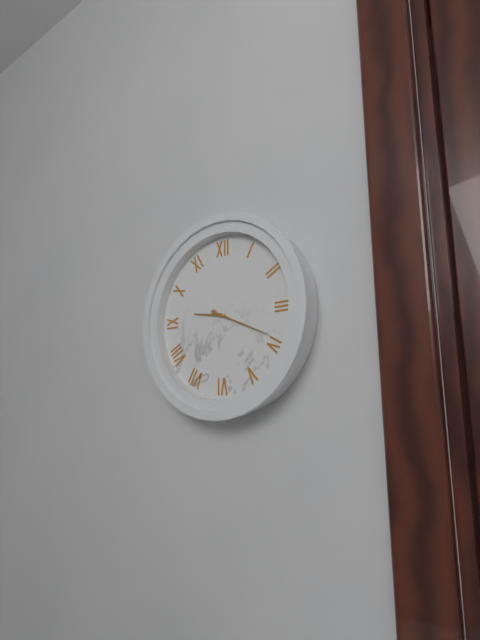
9:19
